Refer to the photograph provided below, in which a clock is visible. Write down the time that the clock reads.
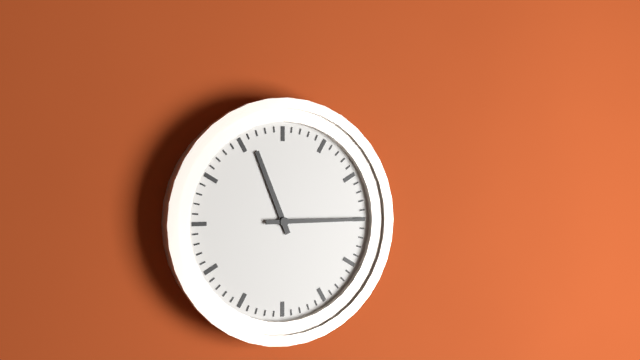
11:15
